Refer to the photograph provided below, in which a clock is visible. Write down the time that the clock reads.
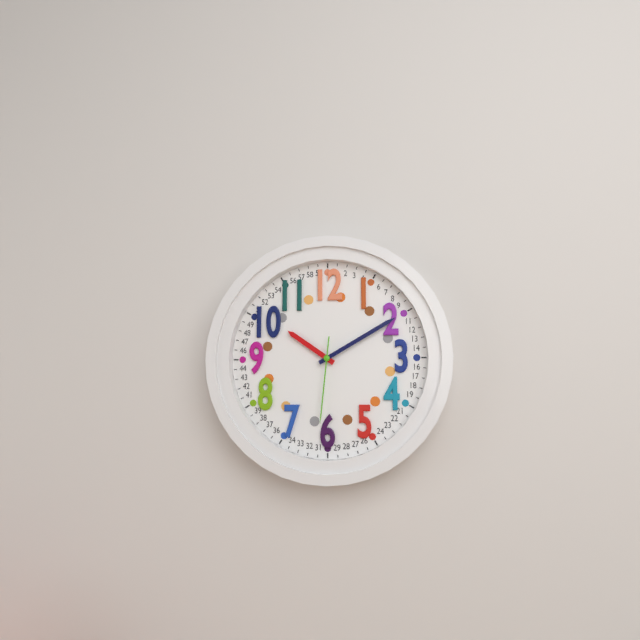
10:10:31
